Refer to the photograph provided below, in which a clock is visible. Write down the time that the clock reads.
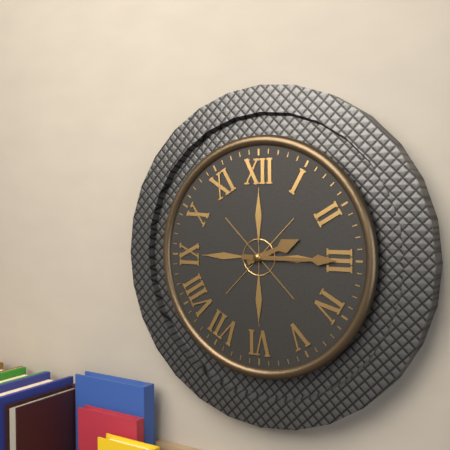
2:15
